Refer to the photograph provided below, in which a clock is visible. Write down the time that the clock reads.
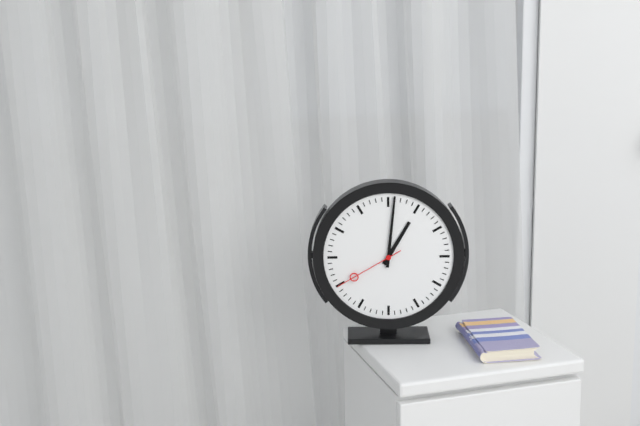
1:01:40
